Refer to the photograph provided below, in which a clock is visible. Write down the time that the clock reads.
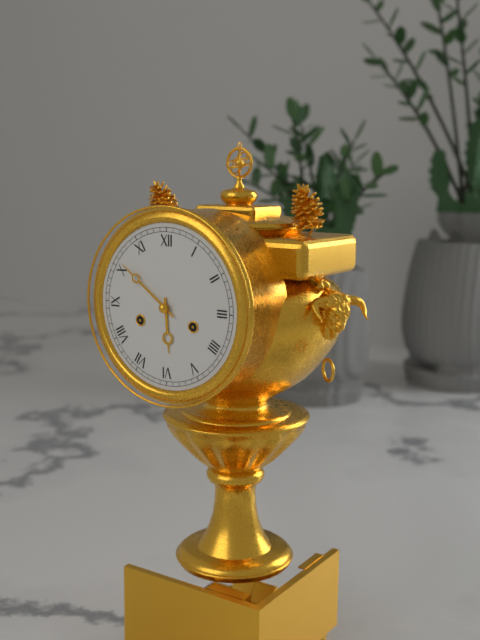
5:51
